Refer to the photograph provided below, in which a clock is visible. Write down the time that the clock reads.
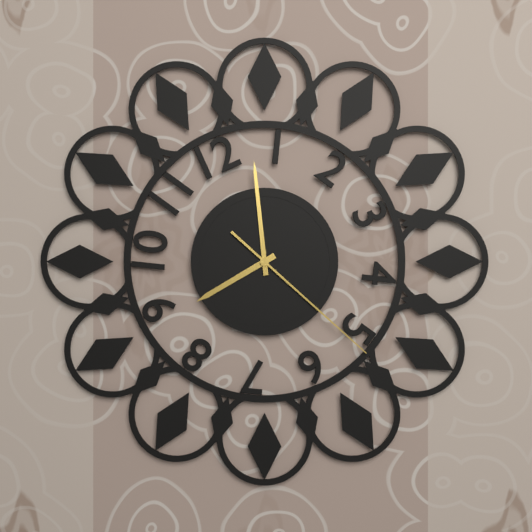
7:59:22
